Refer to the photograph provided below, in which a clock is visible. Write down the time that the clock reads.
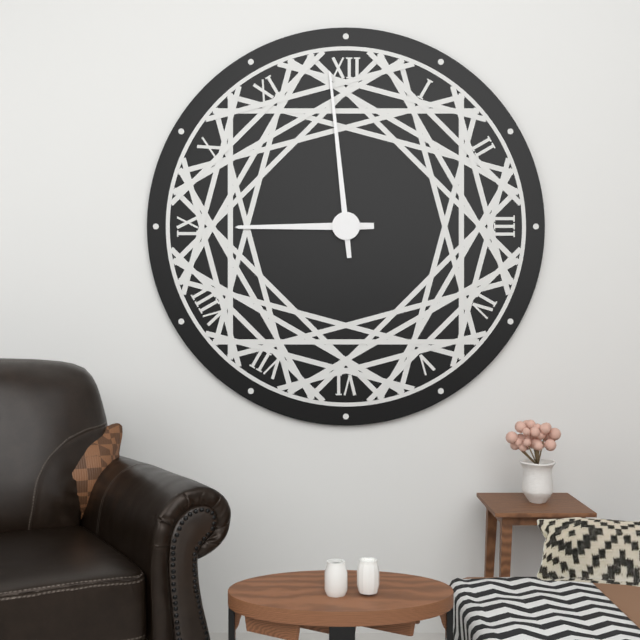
8:59
